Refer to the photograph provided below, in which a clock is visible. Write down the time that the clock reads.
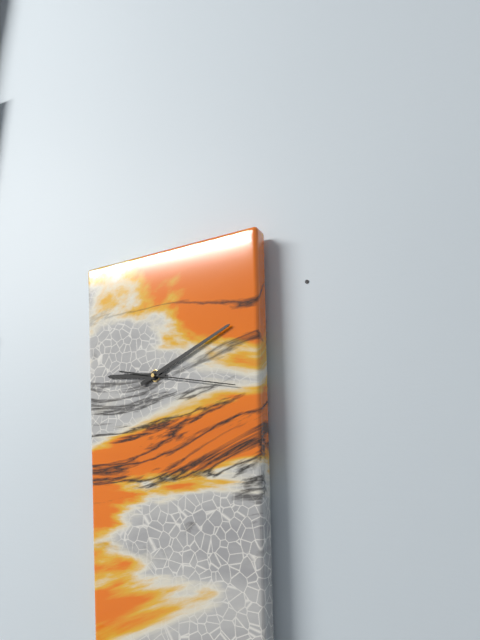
9:11:17
